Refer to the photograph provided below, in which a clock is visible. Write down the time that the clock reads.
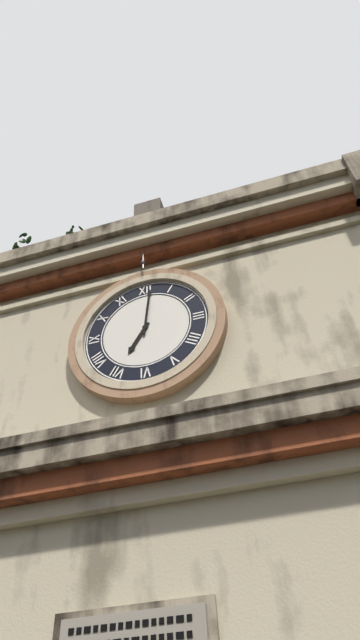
7:01
